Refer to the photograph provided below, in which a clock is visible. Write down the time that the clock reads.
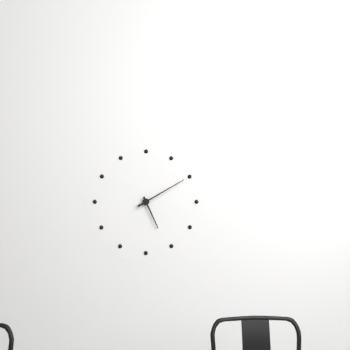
5:10
